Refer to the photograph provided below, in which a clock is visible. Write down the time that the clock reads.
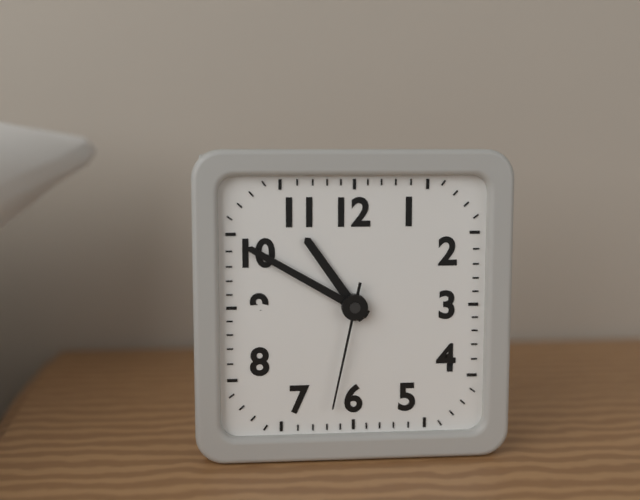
10:50:32
